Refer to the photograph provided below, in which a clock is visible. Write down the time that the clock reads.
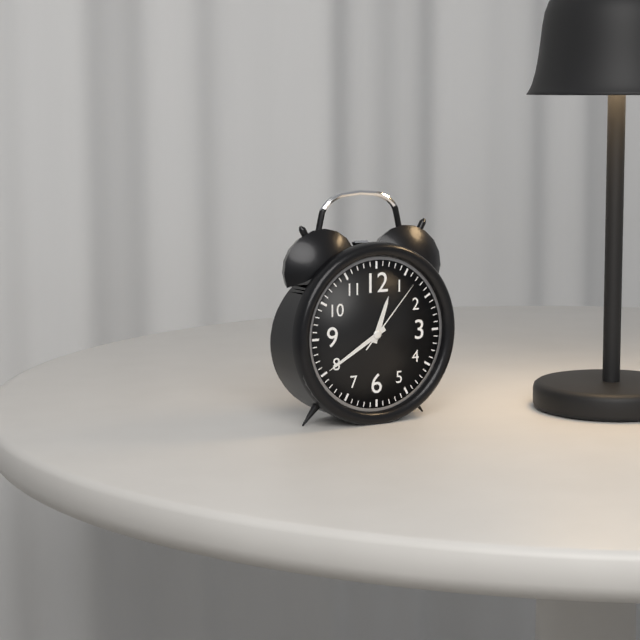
12:40:07
